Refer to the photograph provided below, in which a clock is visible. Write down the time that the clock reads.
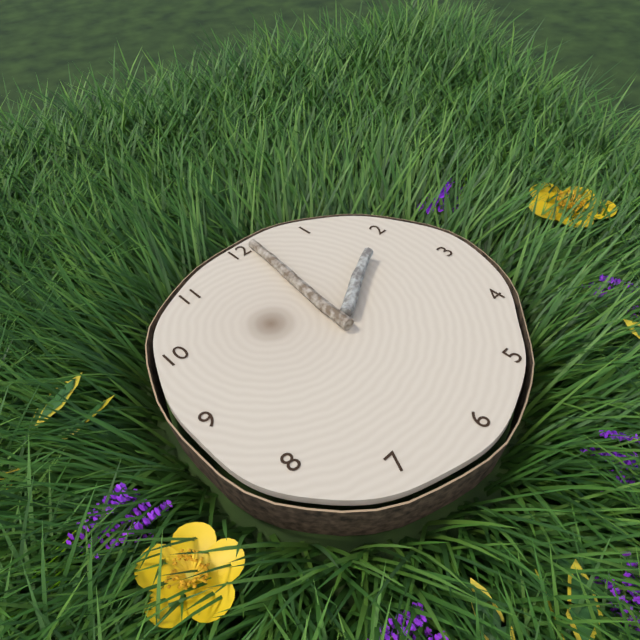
2:01
